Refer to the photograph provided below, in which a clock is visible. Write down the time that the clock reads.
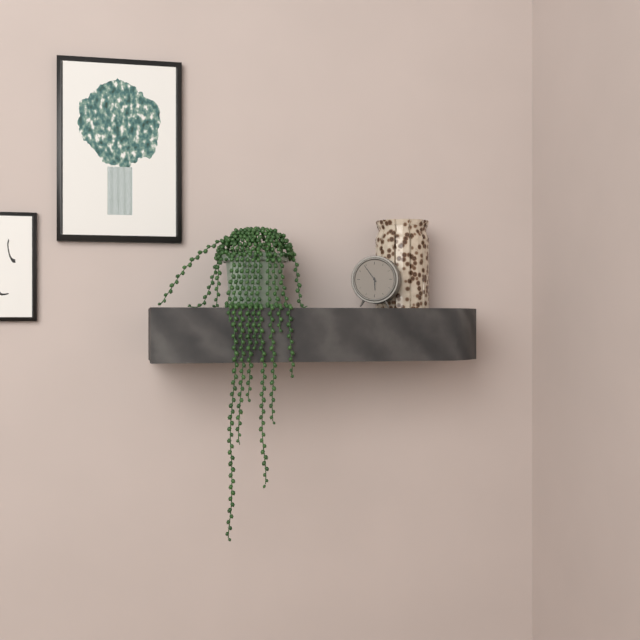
5:54
